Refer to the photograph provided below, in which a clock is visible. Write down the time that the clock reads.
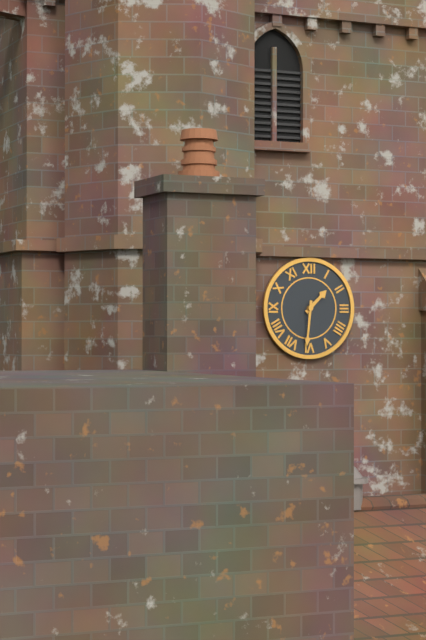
1:31
